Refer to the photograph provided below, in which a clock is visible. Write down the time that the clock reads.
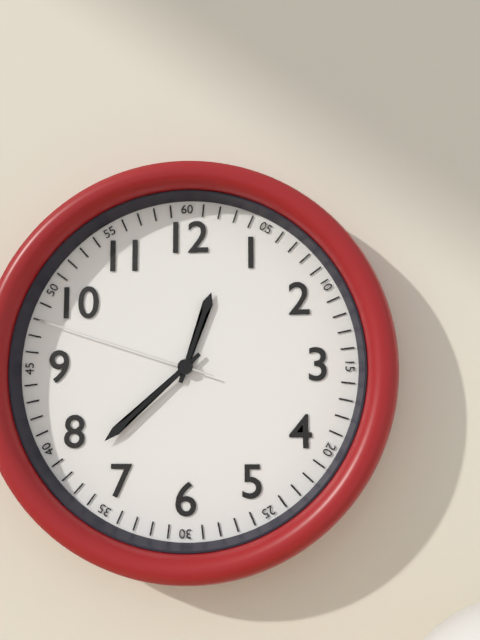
12:38:48
